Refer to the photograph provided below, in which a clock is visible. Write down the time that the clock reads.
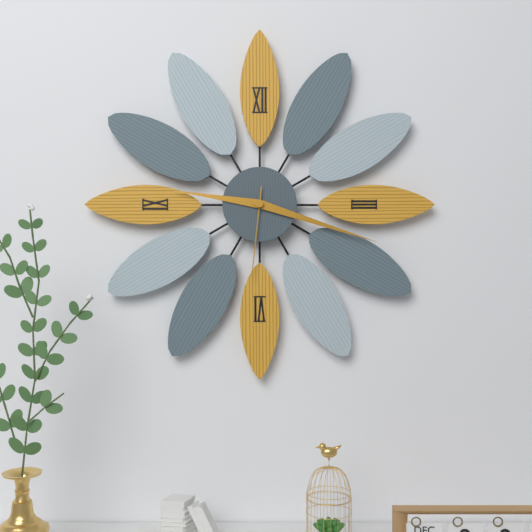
9:18:31
